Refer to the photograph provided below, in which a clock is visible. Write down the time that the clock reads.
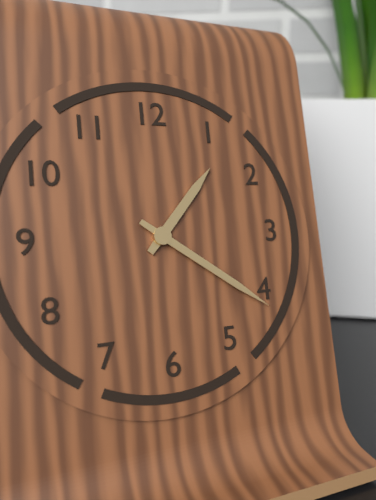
1:21
